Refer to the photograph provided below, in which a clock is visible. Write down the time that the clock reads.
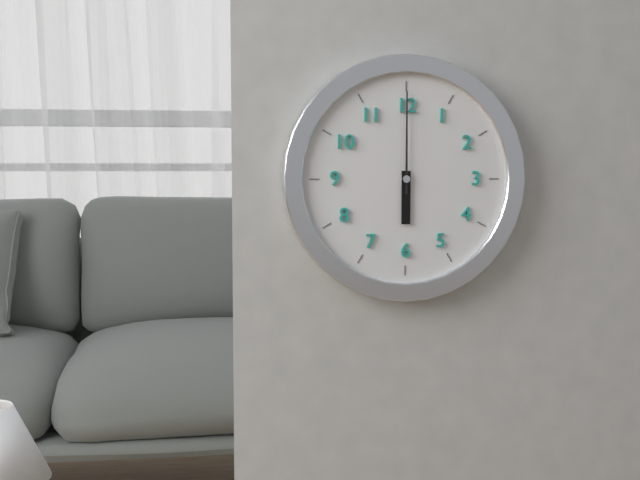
6:00
